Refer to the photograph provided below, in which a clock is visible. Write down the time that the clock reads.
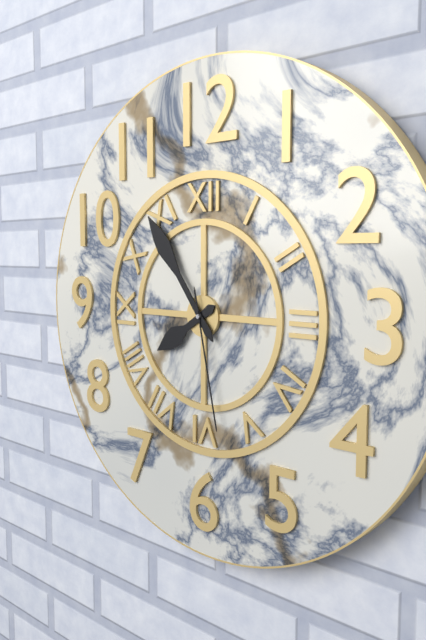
7:54:28
